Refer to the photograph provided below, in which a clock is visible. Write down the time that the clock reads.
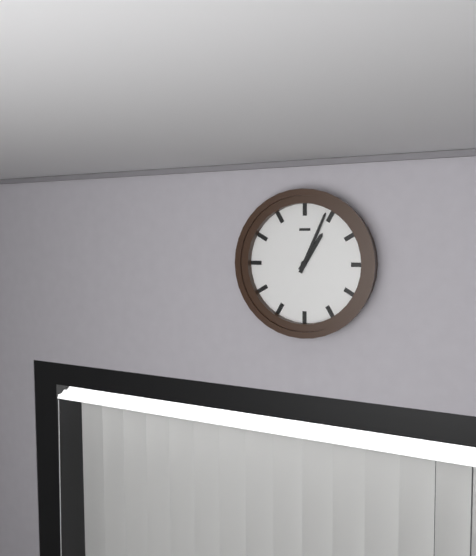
1:04
